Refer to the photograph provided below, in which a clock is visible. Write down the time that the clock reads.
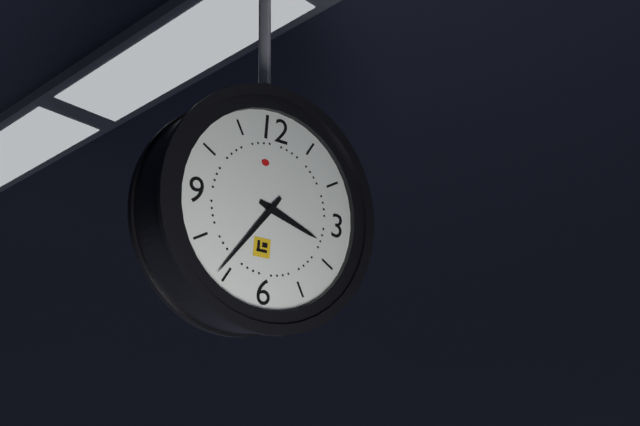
3:36
